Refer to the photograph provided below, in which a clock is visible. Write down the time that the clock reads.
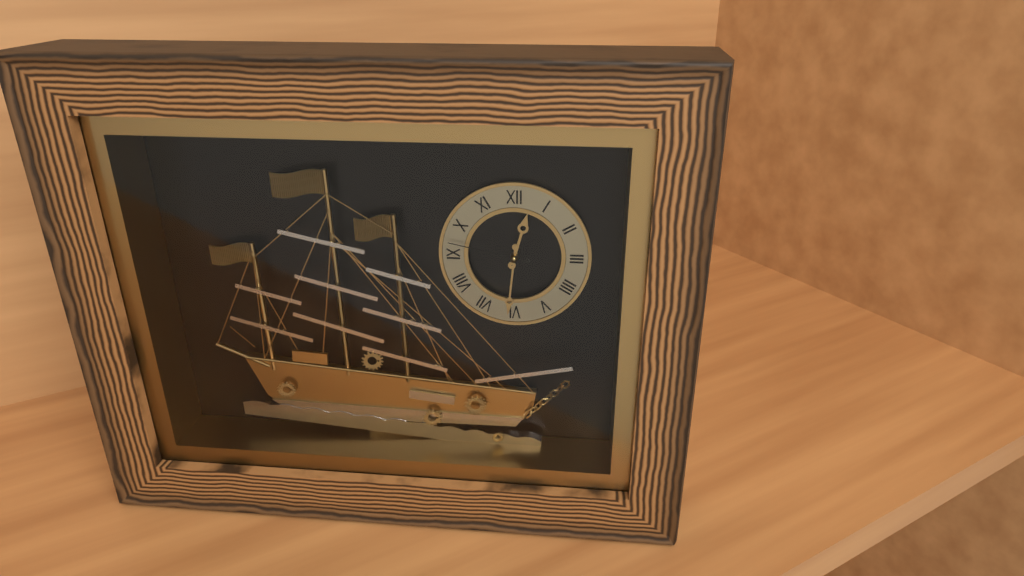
12:31:47
